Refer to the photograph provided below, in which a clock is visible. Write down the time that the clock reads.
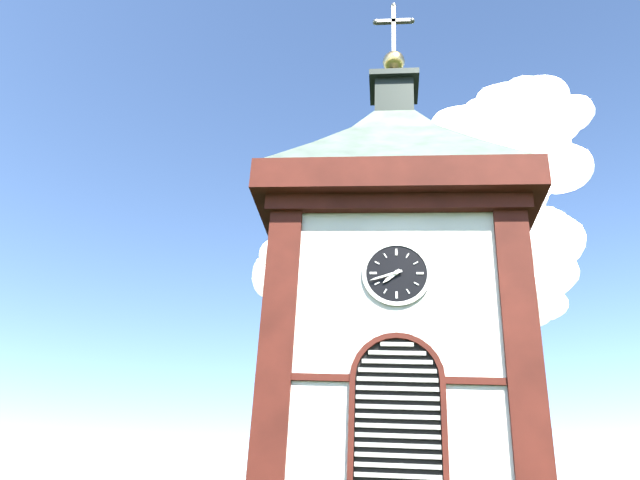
7:42
